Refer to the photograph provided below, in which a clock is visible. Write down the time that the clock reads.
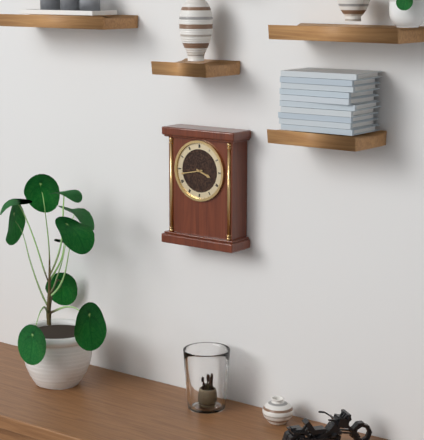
3:43
